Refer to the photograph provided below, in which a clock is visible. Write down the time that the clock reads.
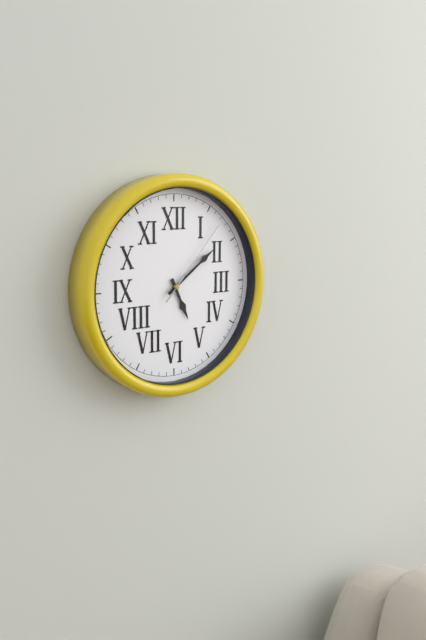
5:09:07
